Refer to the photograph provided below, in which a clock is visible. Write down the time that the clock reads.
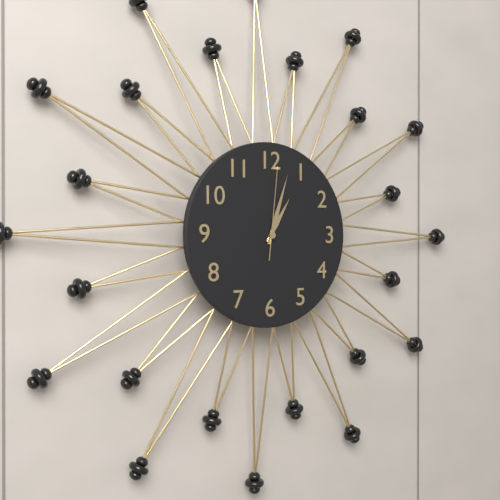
1:03:01
